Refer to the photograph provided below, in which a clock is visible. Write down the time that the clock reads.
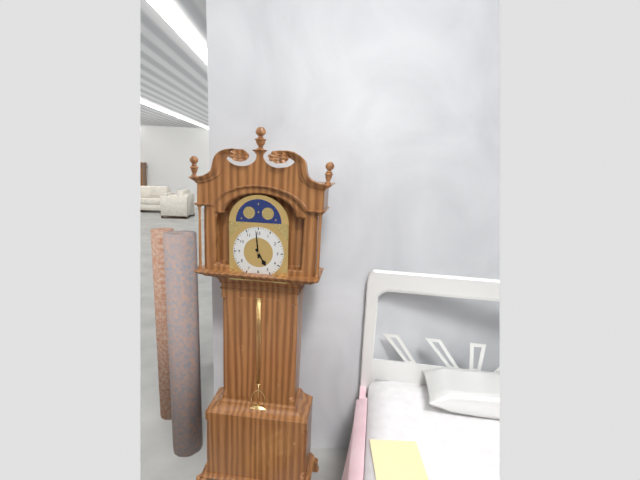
4:59
